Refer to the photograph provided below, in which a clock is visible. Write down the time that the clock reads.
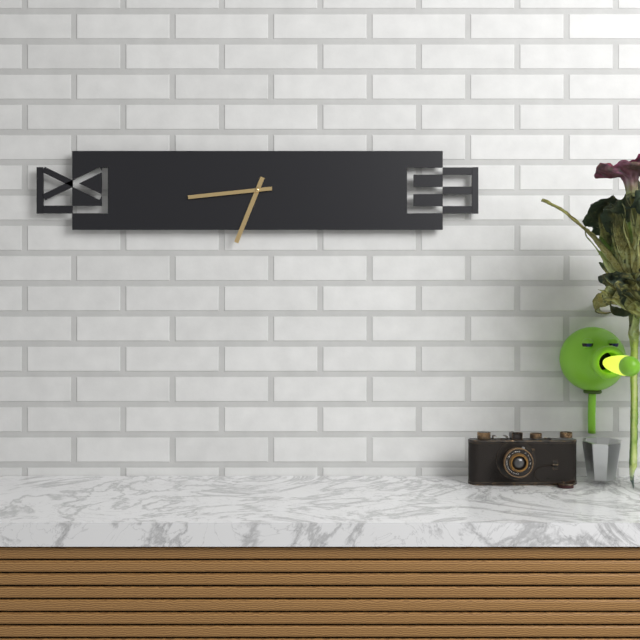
6:44
